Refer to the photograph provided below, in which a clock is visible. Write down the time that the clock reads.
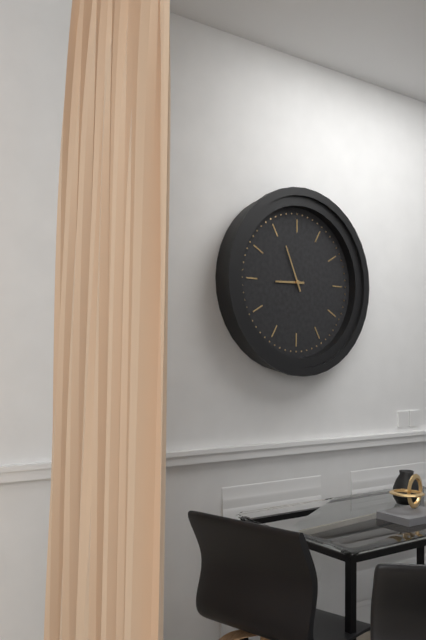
8:56
